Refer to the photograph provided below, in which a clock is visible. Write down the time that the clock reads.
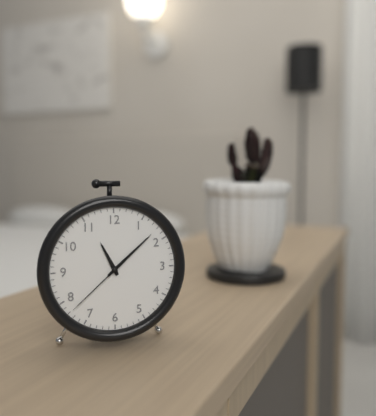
11:08:38
